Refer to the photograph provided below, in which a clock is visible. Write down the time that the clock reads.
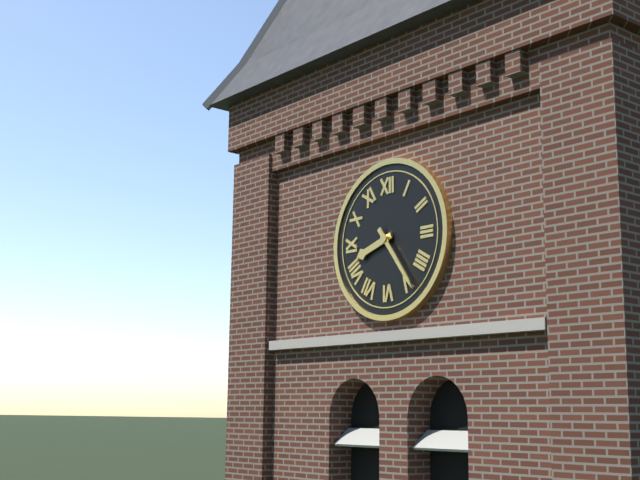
8:24
